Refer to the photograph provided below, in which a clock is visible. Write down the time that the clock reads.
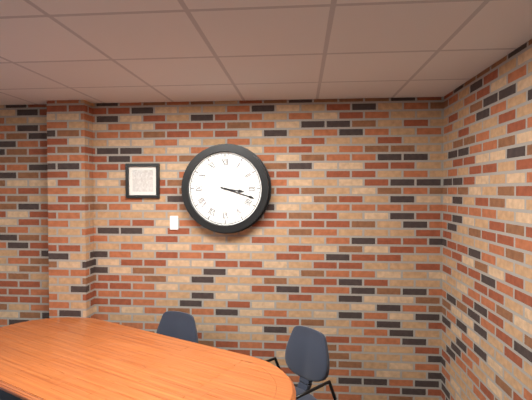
3:18
